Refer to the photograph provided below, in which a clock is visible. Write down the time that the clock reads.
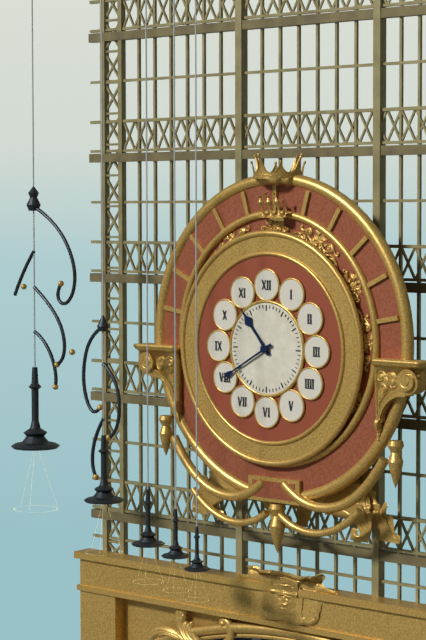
10:40
